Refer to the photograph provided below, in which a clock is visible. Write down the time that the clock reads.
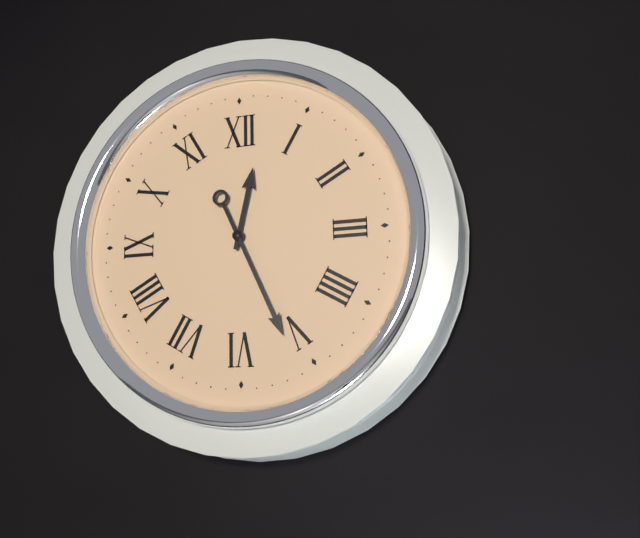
12:26
